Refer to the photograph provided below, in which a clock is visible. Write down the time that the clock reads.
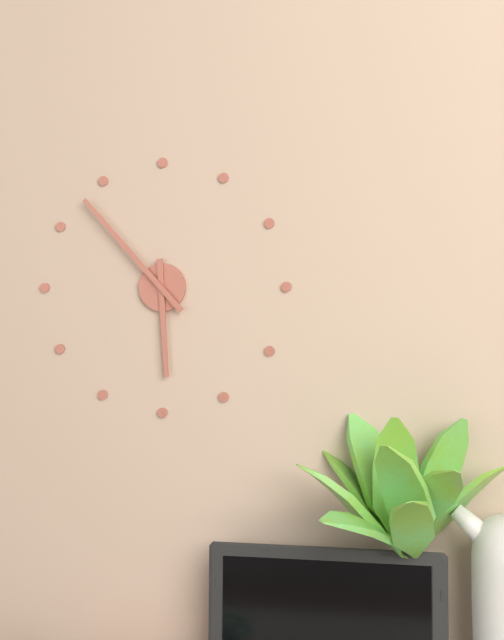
5:53
